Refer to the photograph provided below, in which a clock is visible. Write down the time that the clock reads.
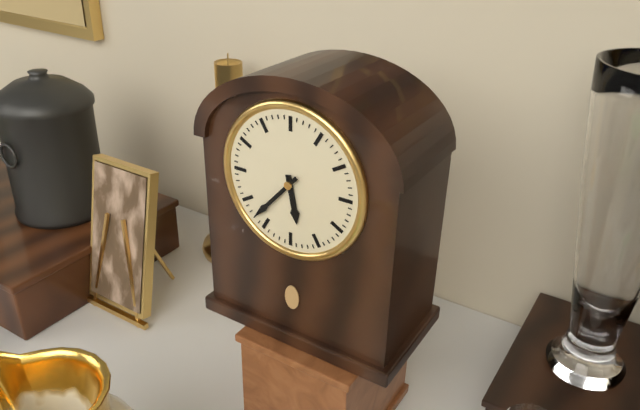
5:37
